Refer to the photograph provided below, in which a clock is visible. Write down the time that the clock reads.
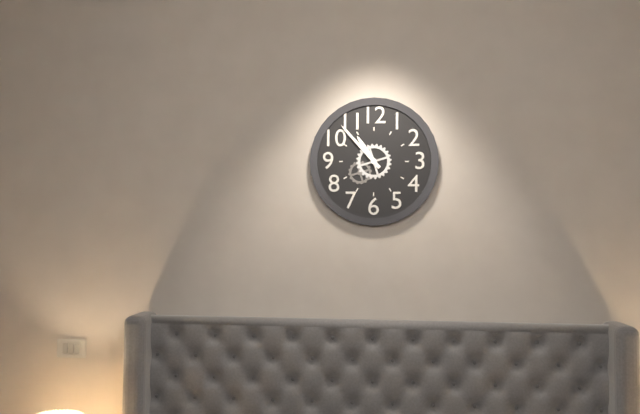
10:53
